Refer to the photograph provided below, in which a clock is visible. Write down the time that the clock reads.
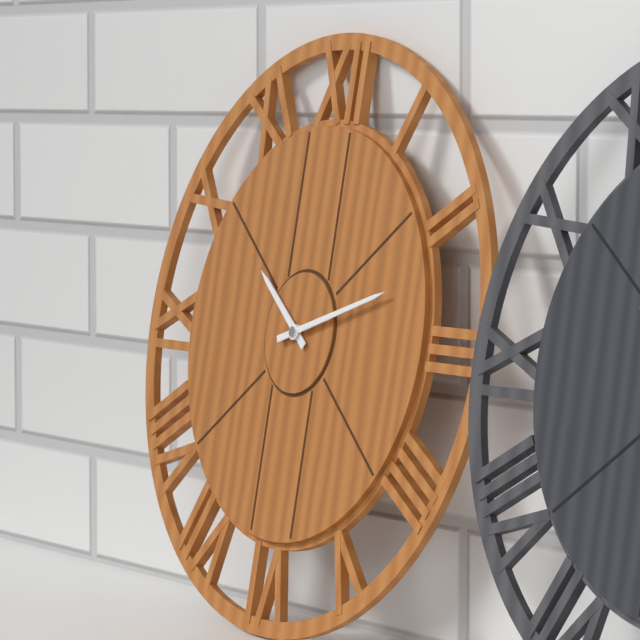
10:12
